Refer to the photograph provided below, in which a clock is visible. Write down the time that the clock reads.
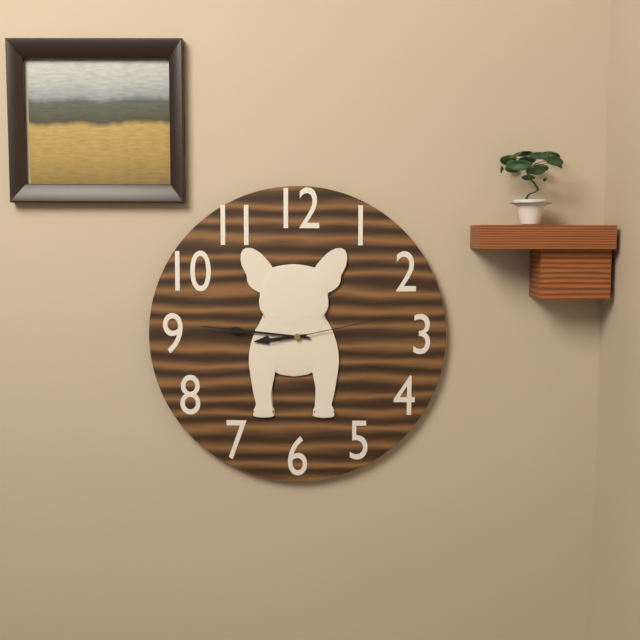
8:46:13
